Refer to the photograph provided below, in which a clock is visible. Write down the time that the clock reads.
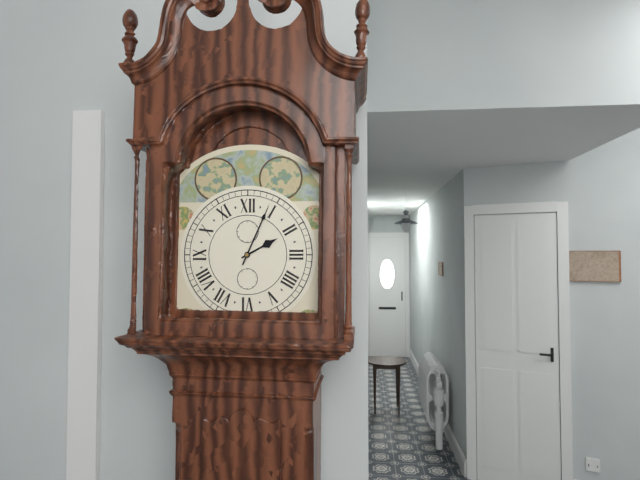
2:04
